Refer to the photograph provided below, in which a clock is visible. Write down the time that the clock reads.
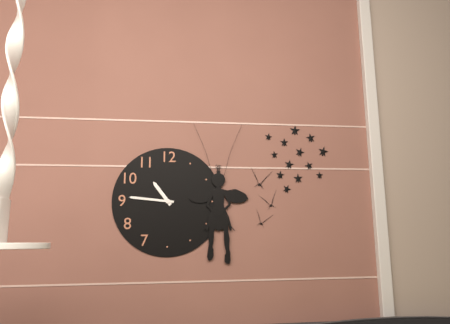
10:46
